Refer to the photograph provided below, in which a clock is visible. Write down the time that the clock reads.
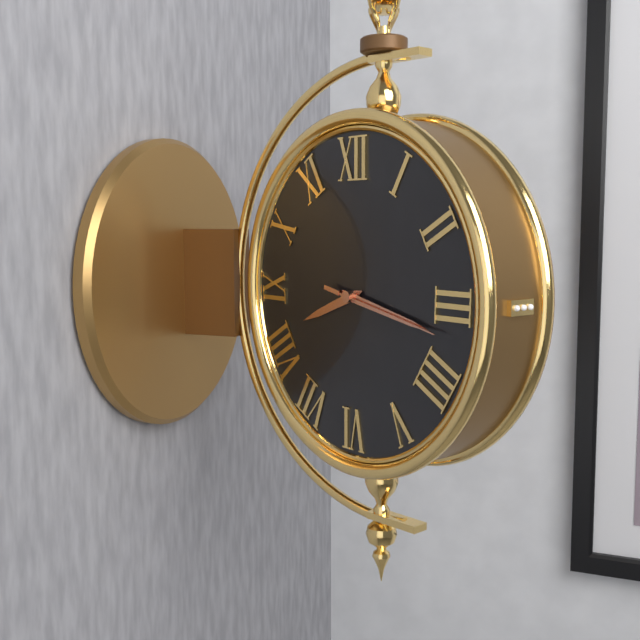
8:17:17
